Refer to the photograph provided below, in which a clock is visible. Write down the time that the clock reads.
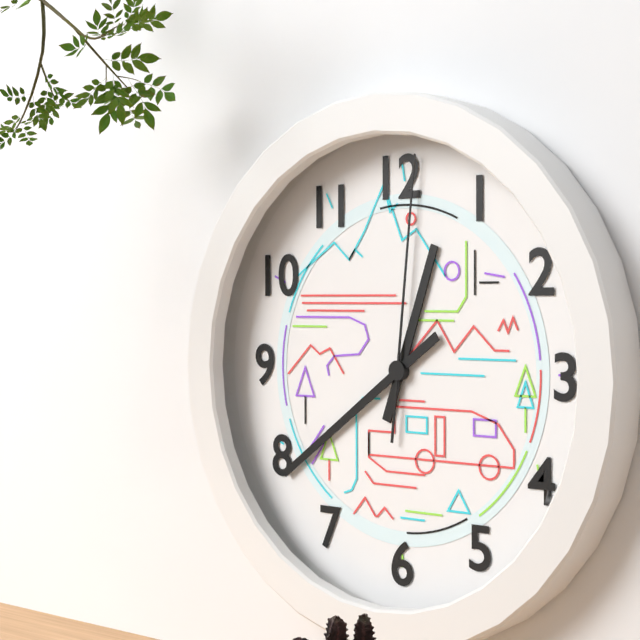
12:39:01
